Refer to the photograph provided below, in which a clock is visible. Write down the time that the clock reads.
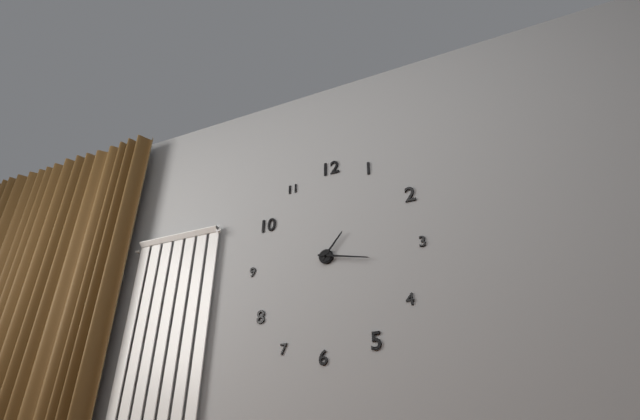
1:17
